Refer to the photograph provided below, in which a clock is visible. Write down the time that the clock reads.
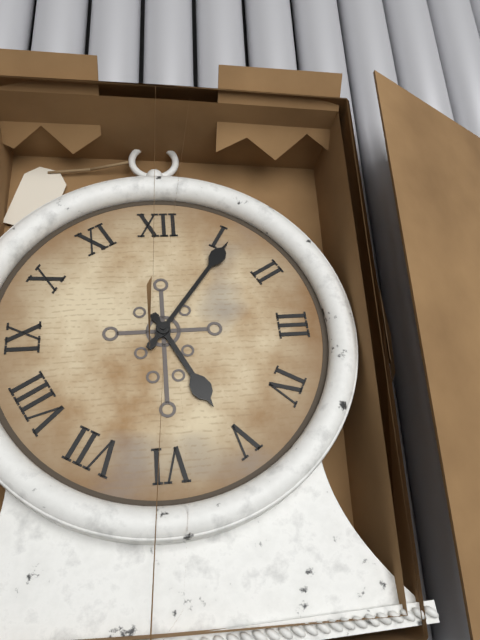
5:06
